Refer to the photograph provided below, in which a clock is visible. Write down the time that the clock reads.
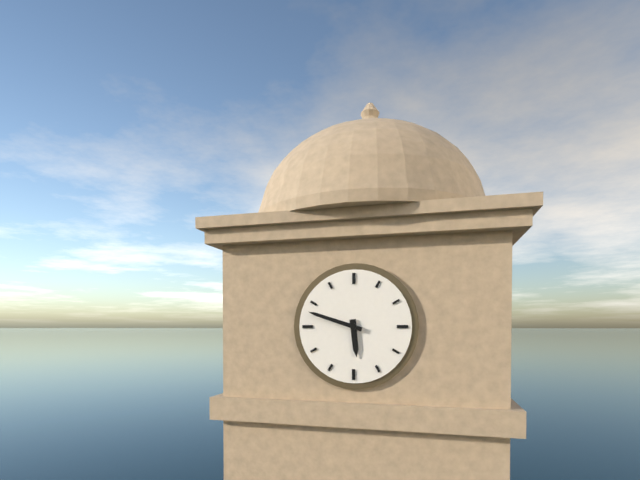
5:48
